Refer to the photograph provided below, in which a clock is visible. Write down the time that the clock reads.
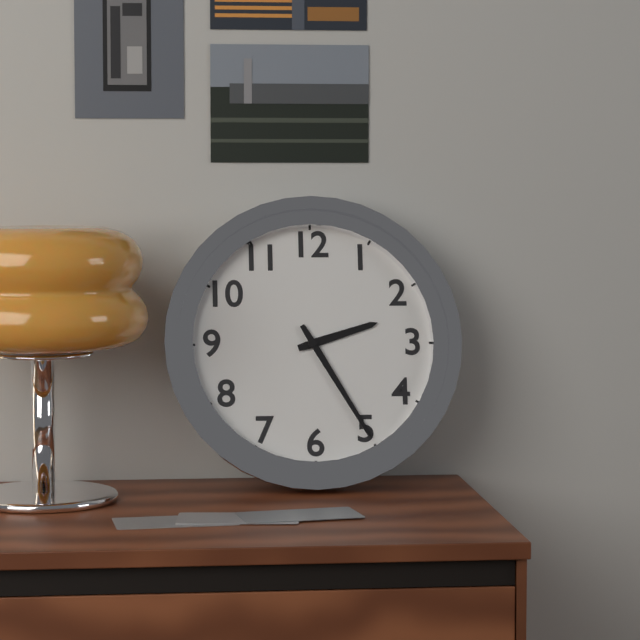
2:25
